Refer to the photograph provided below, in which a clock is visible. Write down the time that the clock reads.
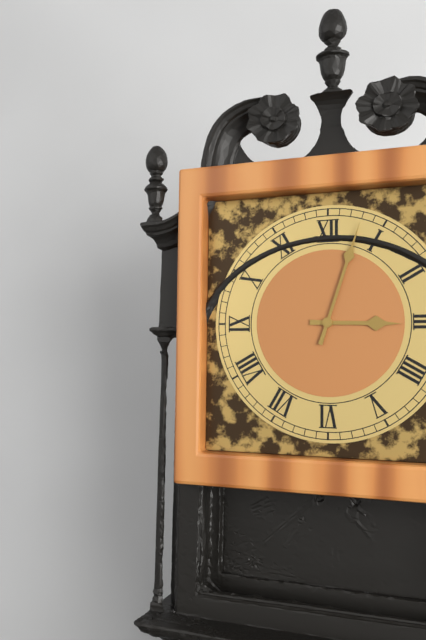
3:03
